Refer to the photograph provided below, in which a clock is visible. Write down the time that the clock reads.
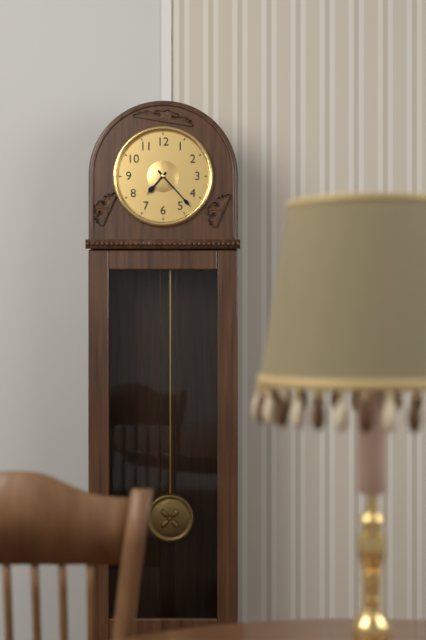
7:23
